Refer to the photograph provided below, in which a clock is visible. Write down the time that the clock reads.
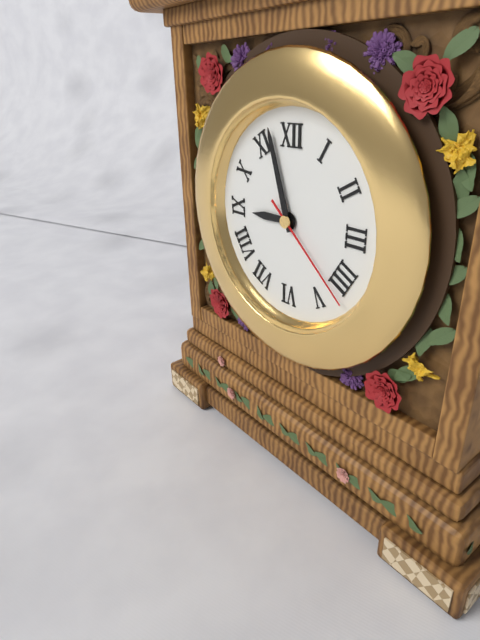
8:57:22
